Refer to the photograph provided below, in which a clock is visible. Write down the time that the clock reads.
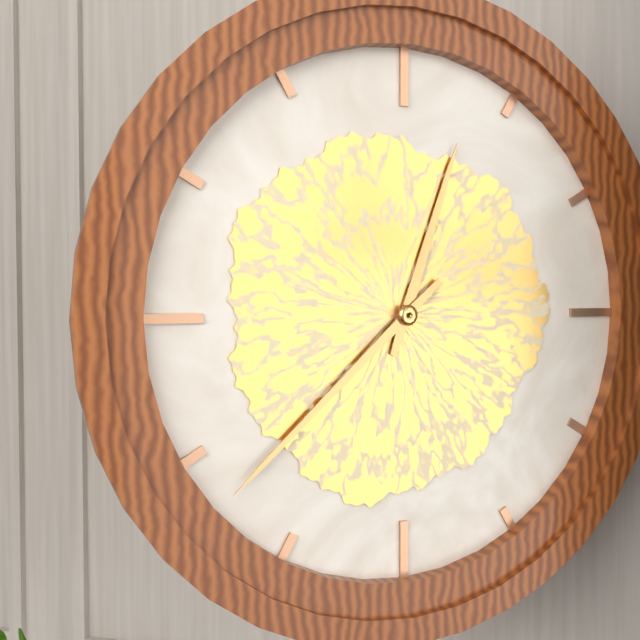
12:38
